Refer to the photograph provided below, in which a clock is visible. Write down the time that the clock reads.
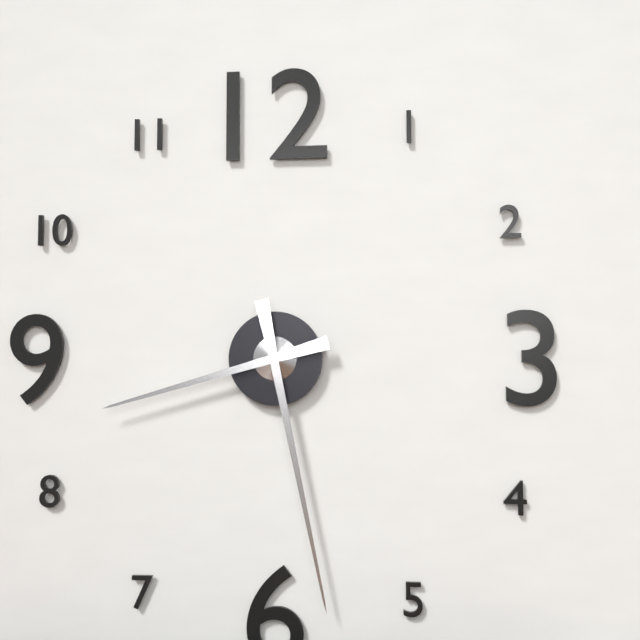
8:28
